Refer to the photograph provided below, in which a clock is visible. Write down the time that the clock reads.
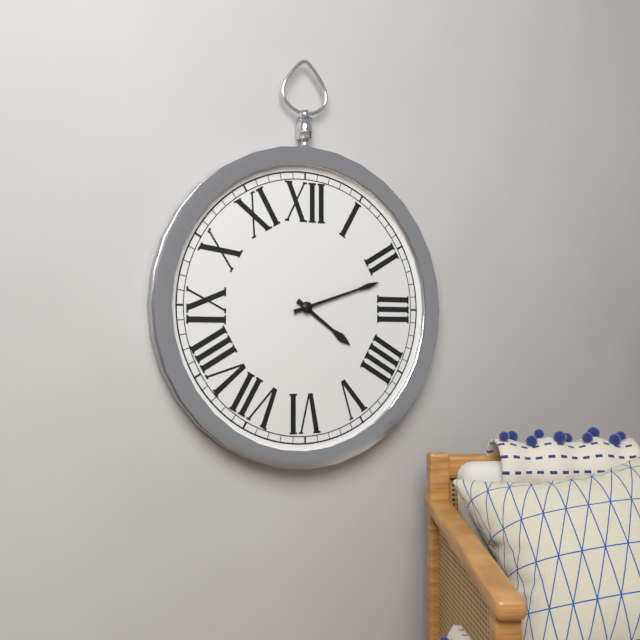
4:12
